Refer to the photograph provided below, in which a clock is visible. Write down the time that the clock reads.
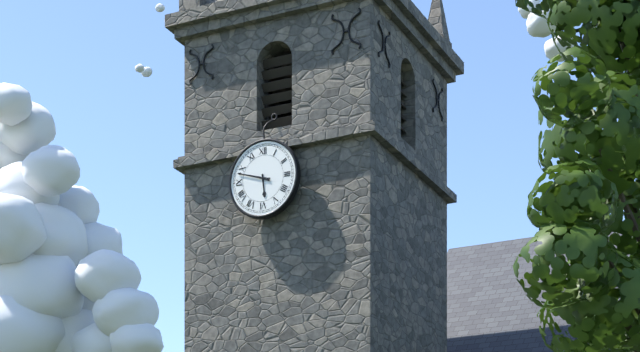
5:48
